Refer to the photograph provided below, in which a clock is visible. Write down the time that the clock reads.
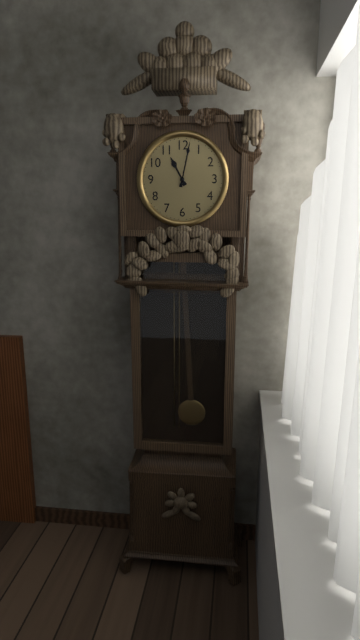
11:02
